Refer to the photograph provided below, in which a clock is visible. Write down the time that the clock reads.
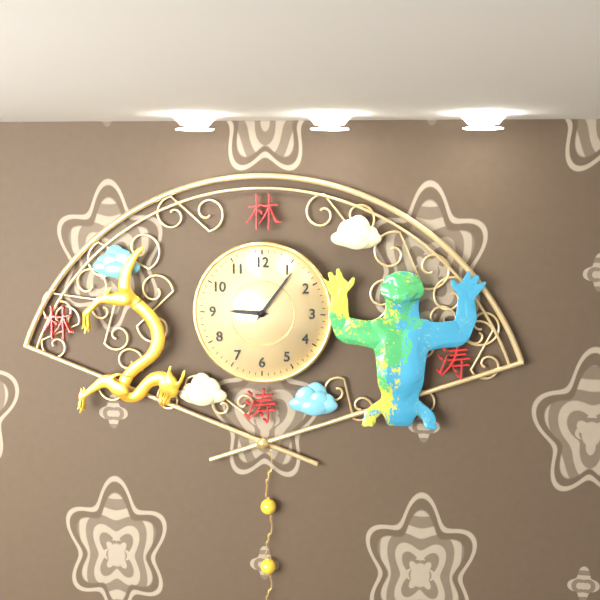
9:06
